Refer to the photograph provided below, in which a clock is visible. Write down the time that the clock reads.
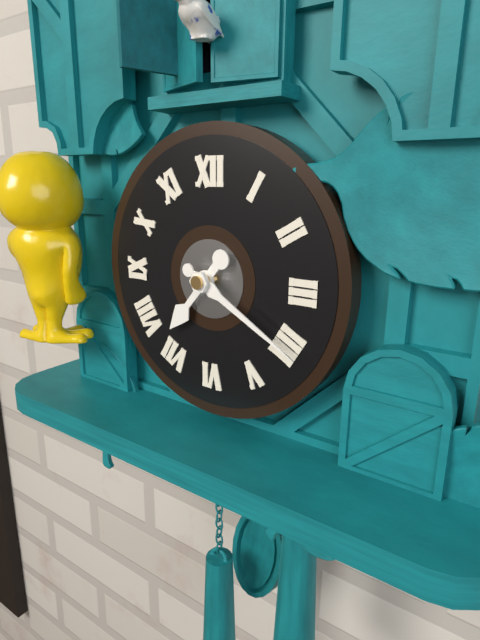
7:20
